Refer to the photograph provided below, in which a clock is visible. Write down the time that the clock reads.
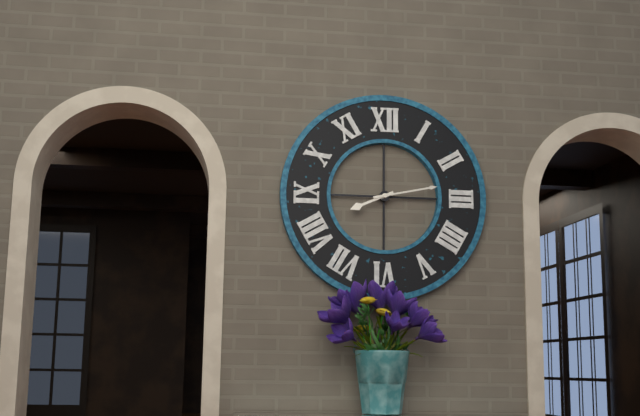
8:13
